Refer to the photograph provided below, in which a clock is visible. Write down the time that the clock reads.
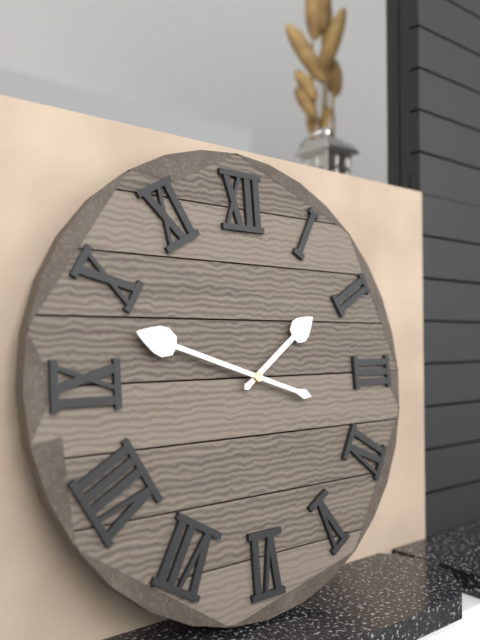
1:48
